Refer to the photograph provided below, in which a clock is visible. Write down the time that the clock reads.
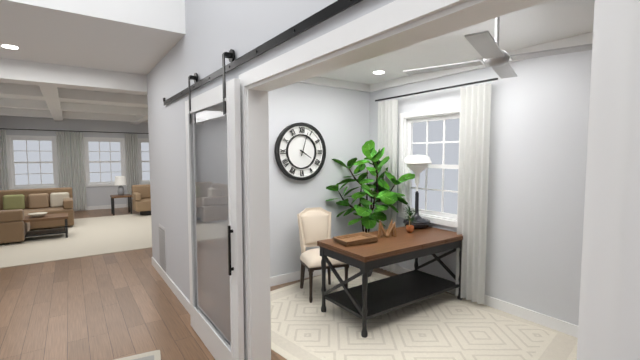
4:03
